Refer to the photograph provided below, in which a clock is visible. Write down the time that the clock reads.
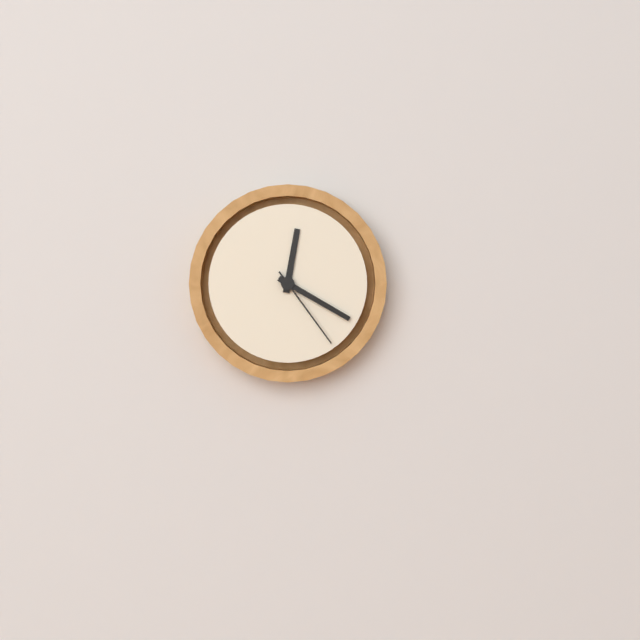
12:20:24
